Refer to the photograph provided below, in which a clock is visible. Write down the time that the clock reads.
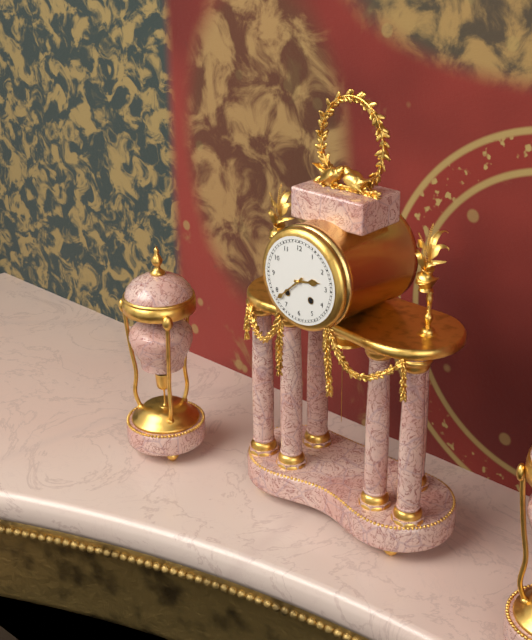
2:38
